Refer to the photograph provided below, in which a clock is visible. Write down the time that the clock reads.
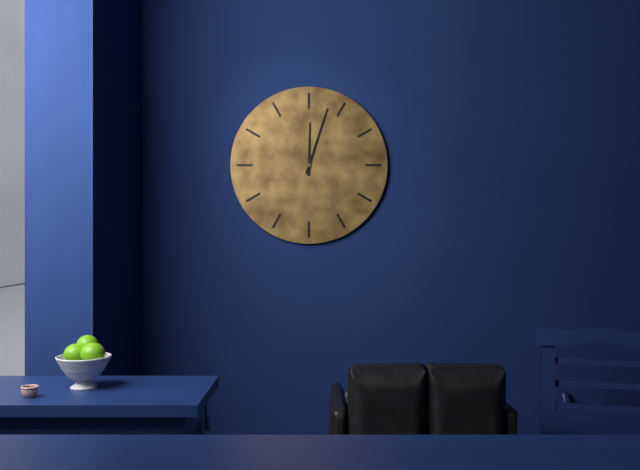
12:03
